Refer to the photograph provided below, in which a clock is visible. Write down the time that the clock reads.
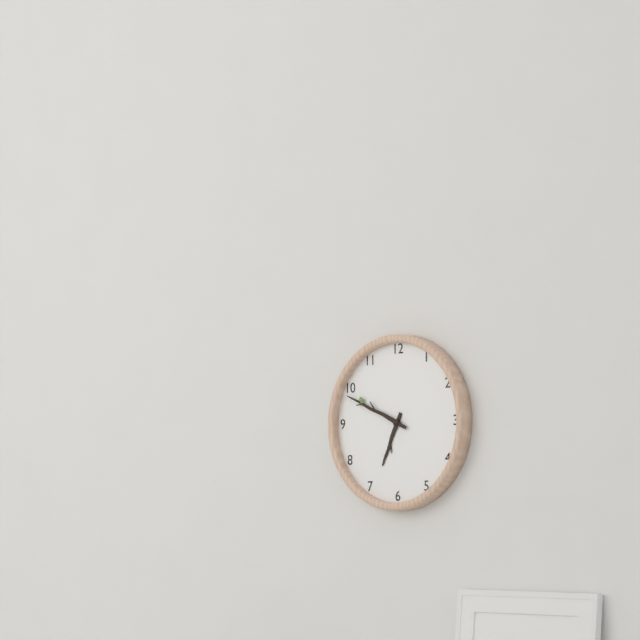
6:49
